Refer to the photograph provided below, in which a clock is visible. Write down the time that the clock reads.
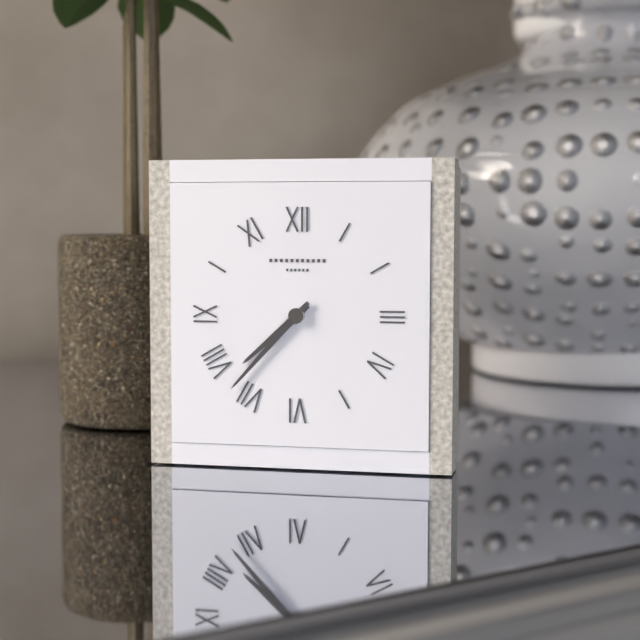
7:37
